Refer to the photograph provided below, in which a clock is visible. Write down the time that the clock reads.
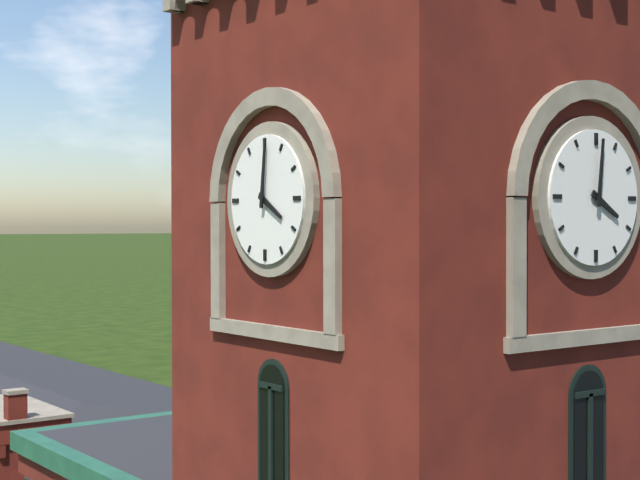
4:01
